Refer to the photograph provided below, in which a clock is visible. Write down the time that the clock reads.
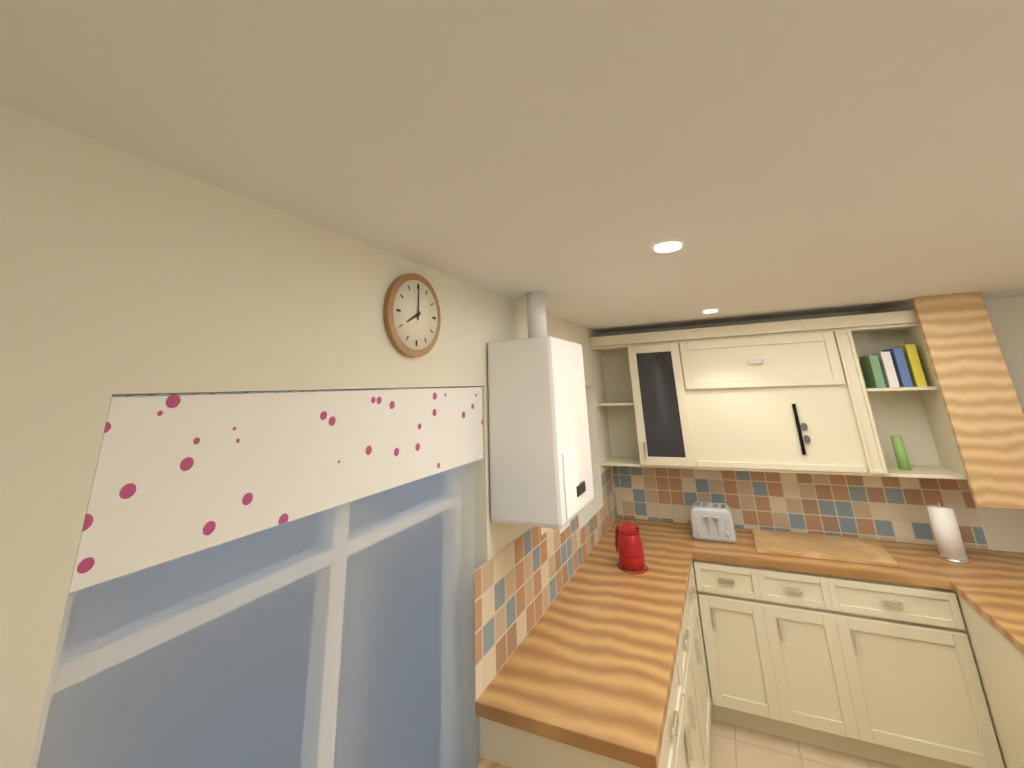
8:00
